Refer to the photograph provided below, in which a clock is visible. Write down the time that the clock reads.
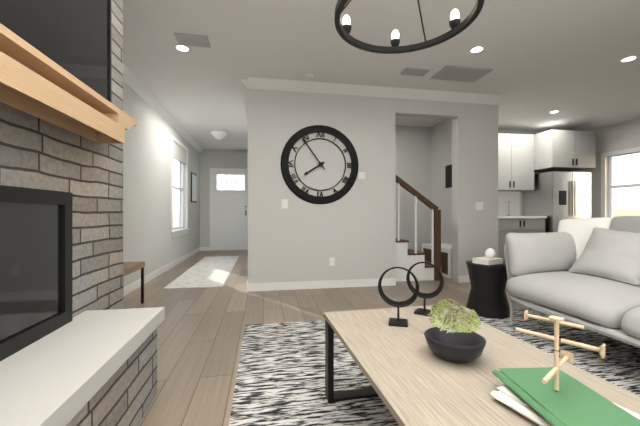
7:54
